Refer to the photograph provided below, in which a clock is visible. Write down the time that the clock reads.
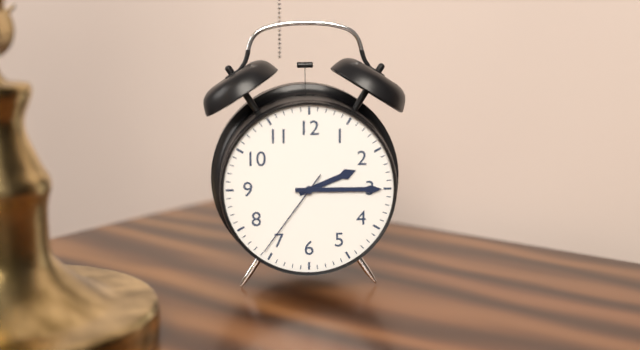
2:15:36
